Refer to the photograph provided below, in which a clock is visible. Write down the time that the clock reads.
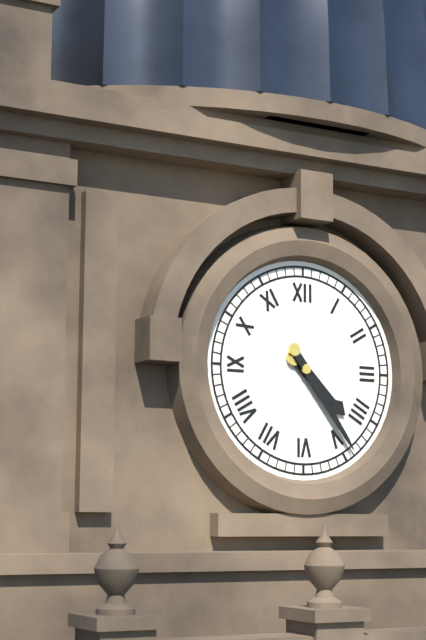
4:24
